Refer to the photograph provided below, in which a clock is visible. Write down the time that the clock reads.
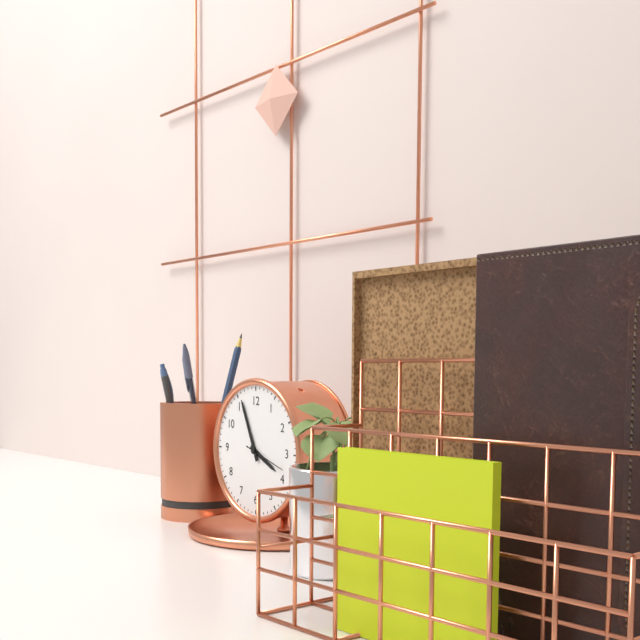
3:56
